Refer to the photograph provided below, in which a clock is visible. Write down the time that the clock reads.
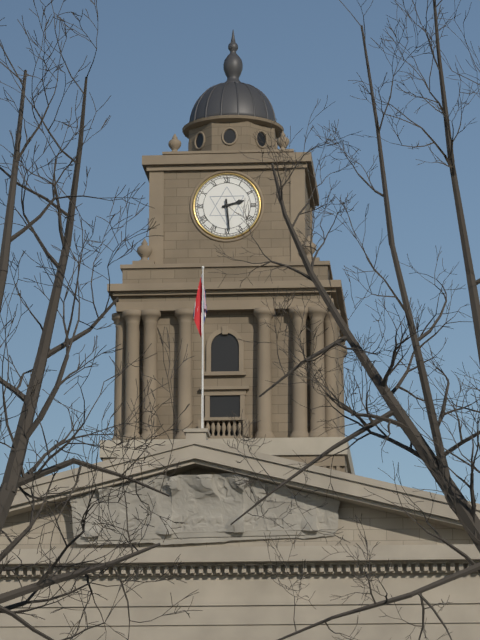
2:29
